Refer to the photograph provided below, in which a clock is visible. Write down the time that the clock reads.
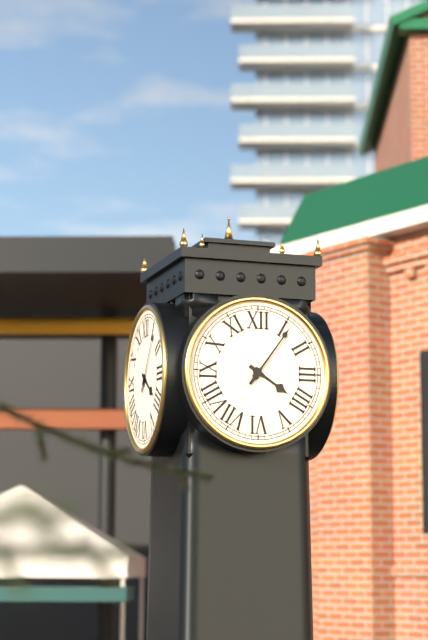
4:06
